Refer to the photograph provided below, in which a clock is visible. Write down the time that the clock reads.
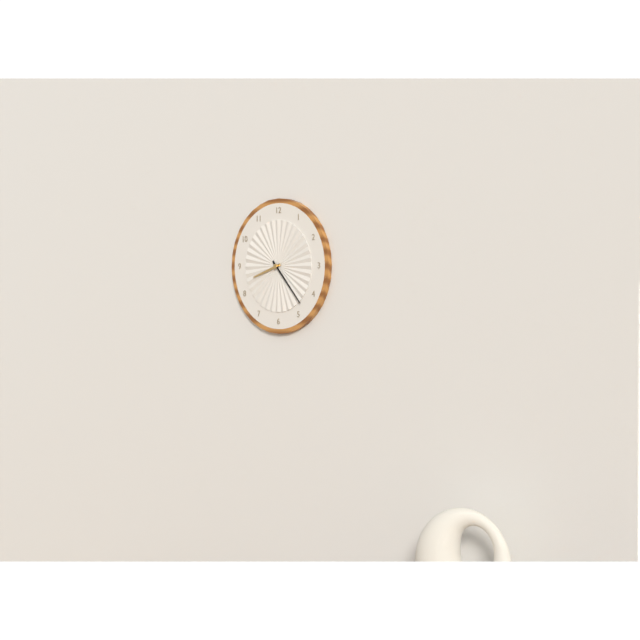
8:23
